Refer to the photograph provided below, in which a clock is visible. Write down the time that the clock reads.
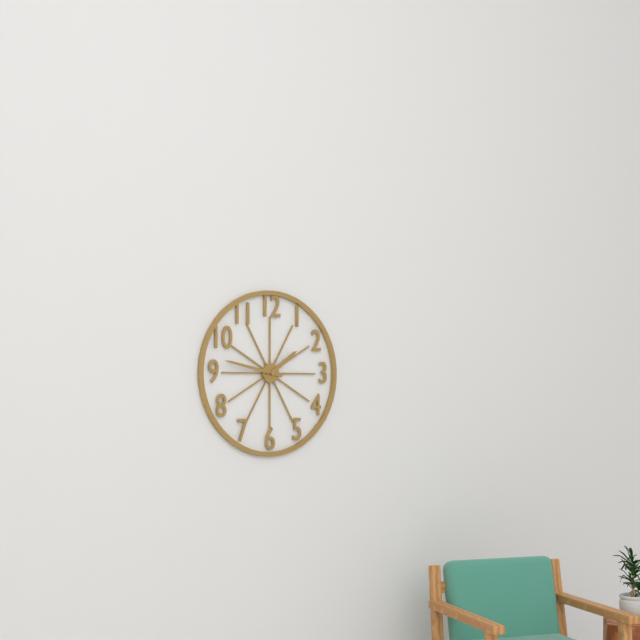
1:47
